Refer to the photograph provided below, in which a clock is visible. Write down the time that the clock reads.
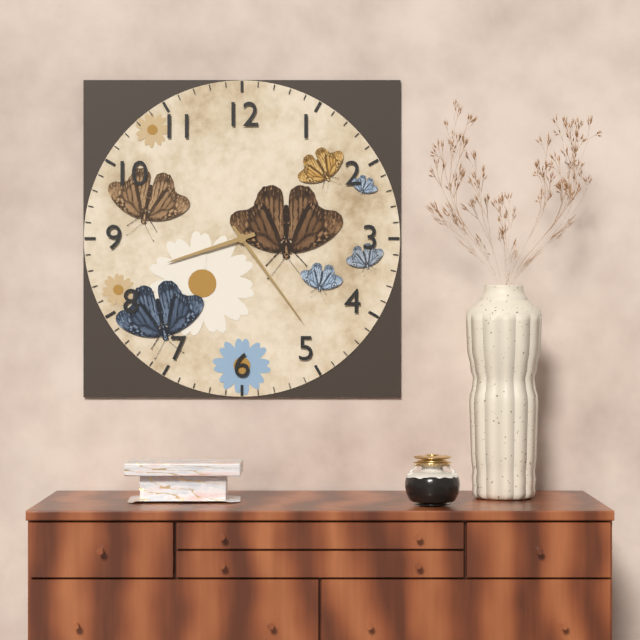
8:24
